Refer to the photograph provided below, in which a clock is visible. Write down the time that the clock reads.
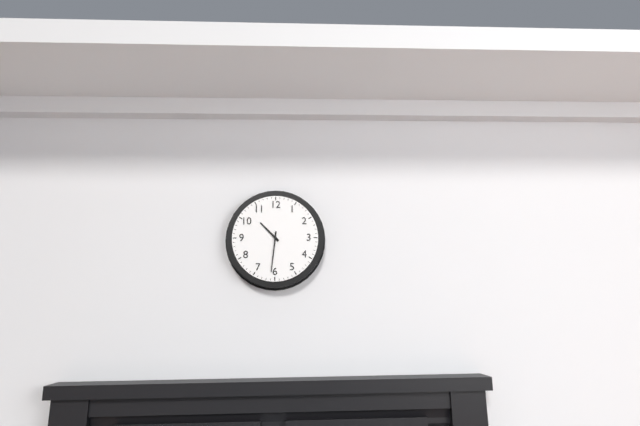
10:31
